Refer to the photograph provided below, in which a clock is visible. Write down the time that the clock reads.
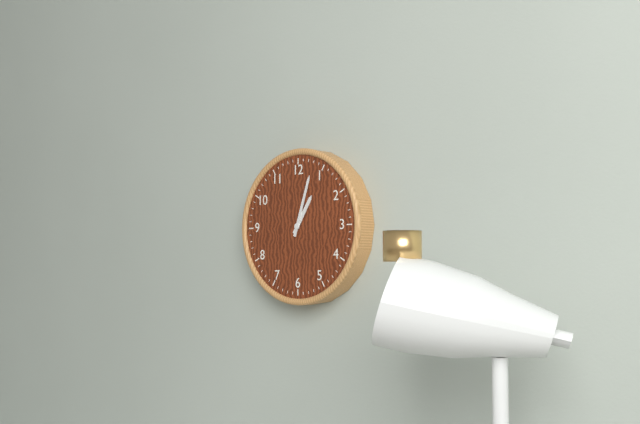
1:03
